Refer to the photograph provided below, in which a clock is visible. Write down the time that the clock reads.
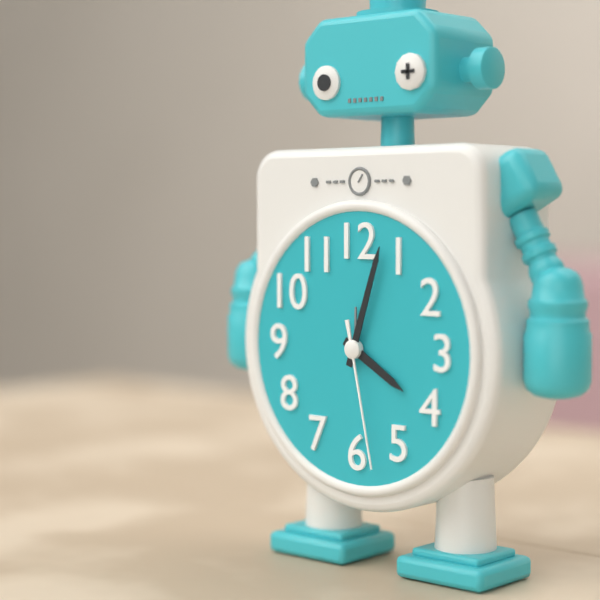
4:03:28
